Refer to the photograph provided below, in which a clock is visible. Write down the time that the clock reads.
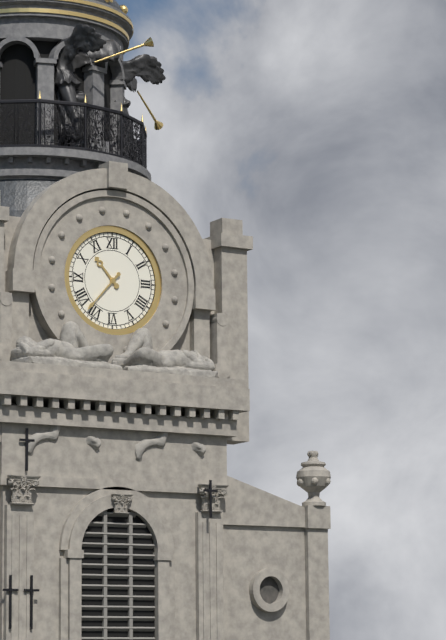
10:37
